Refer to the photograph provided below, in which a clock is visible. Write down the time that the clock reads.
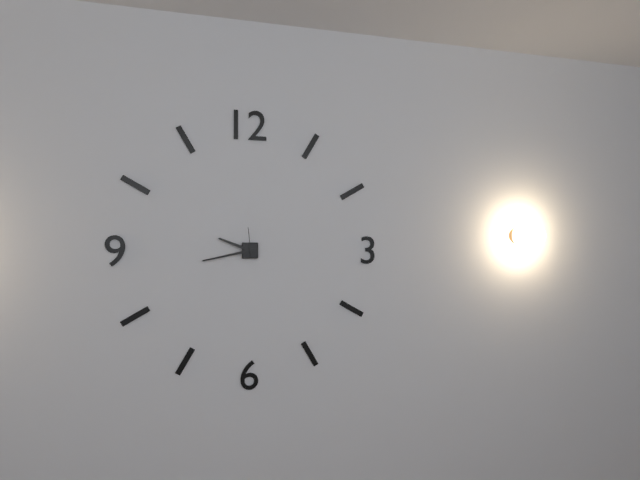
9:43
